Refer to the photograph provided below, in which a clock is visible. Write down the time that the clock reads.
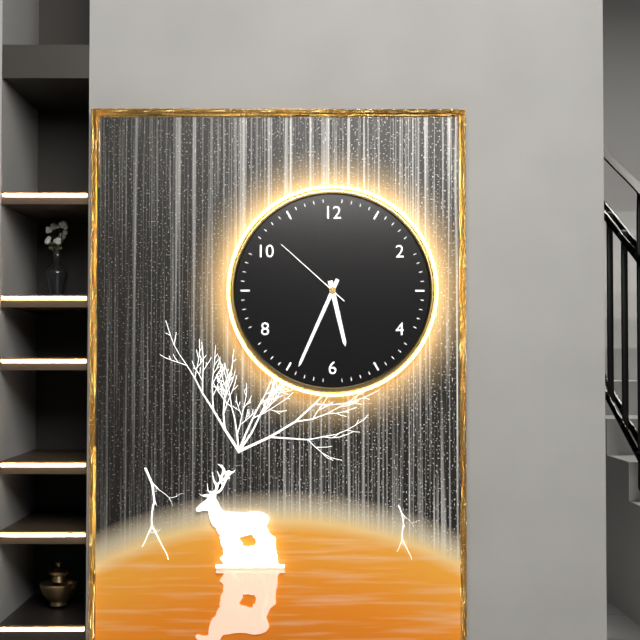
5:34:52
